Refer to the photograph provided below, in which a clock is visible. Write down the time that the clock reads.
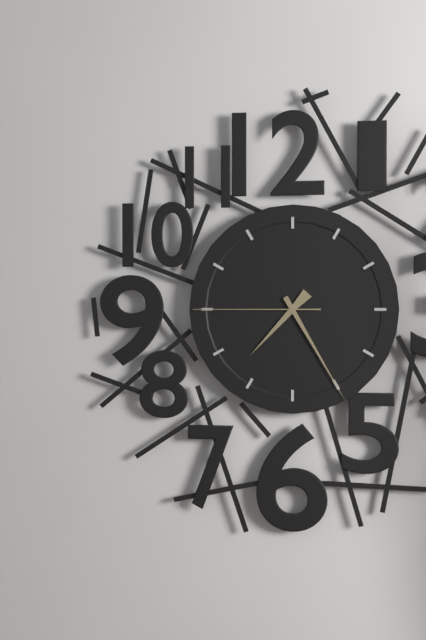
7:25:45
